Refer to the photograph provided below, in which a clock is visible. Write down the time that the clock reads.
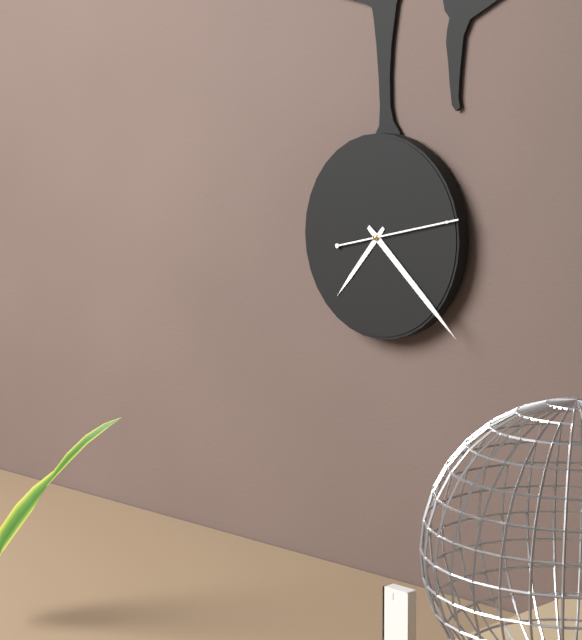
7:22:13
